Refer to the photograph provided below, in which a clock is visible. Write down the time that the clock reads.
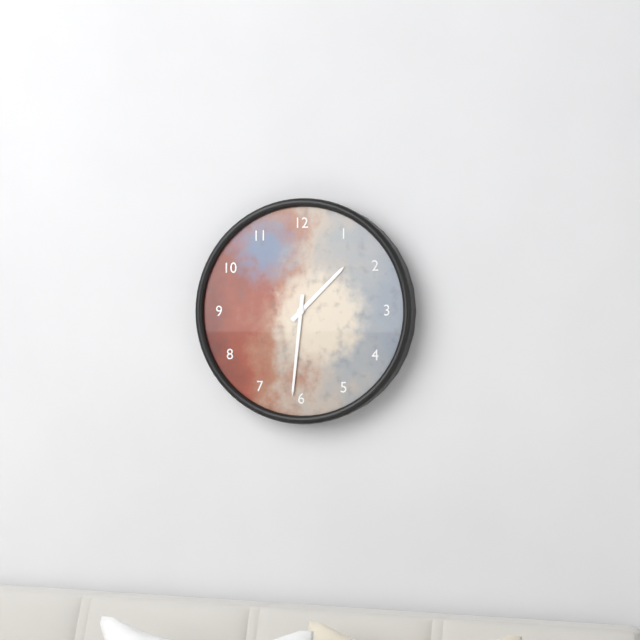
1:31
